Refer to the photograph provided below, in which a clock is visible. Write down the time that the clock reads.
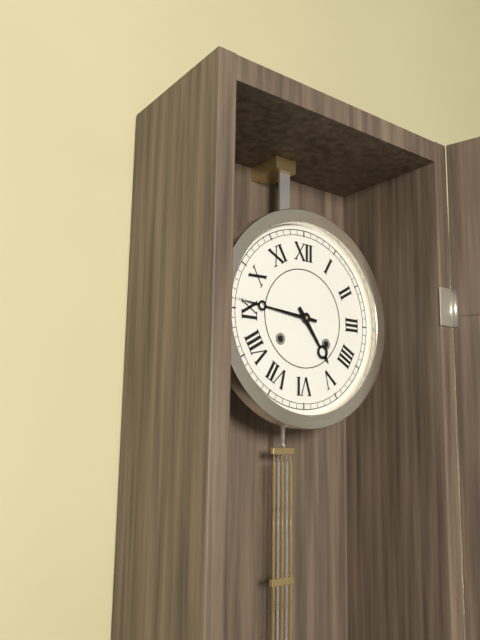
4:46
